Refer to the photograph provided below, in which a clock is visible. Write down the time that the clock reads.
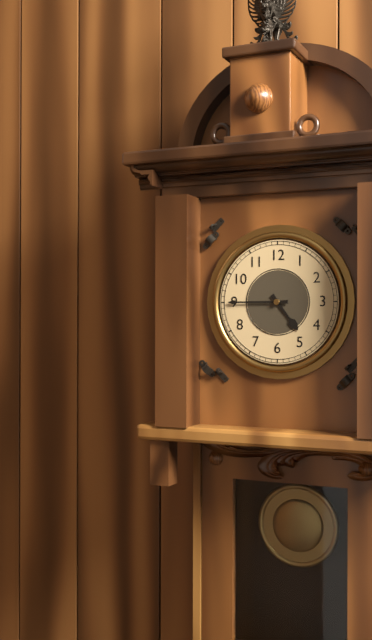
4:45
